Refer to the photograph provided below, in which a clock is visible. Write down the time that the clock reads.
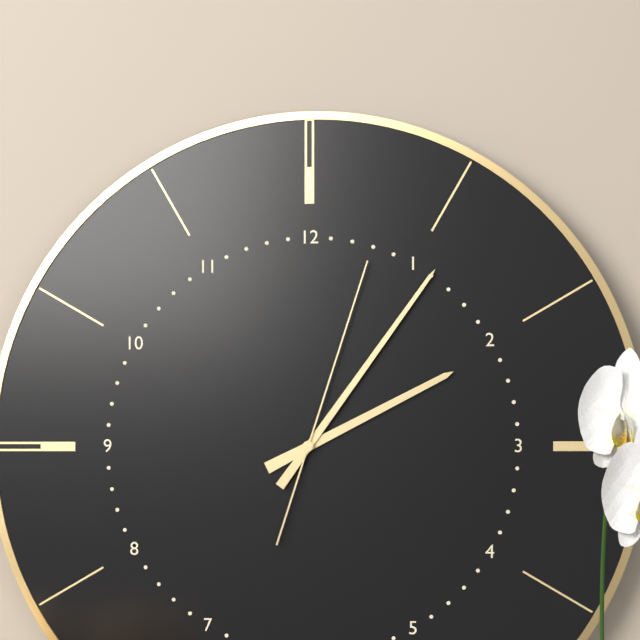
2:06:03
